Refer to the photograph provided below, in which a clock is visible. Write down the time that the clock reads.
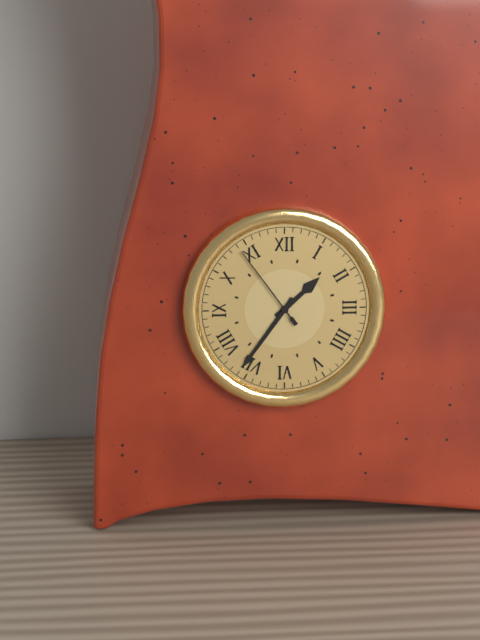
1:36:54
